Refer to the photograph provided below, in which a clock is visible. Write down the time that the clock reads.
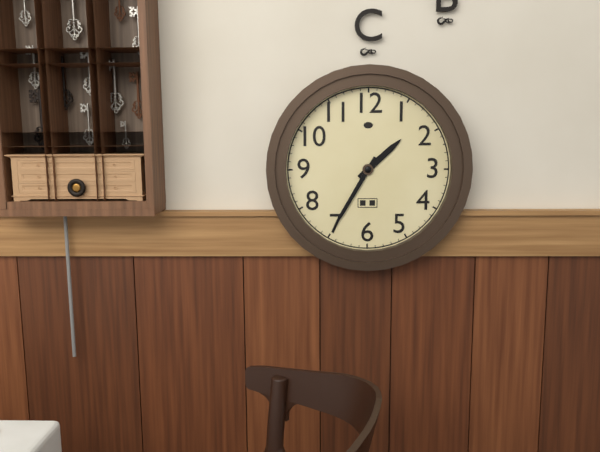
1:35
